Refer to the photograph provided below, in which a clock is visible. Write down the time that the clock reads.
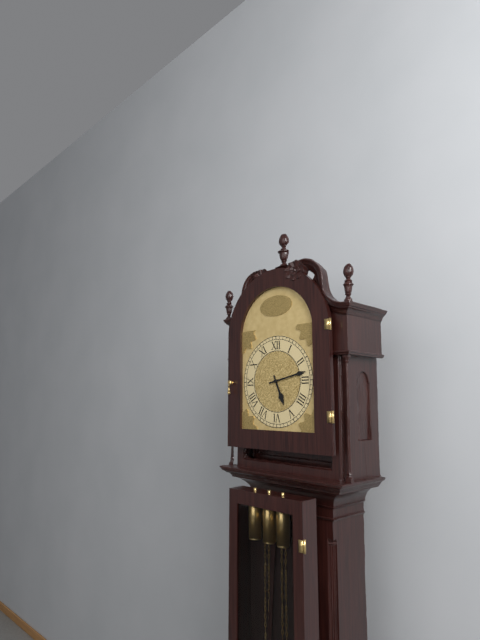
5:13
